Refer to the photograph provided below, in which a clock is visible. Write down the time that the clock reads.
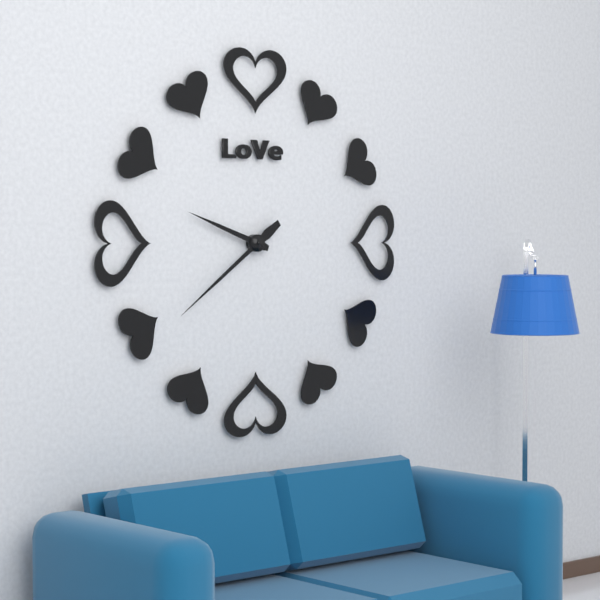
9:39
